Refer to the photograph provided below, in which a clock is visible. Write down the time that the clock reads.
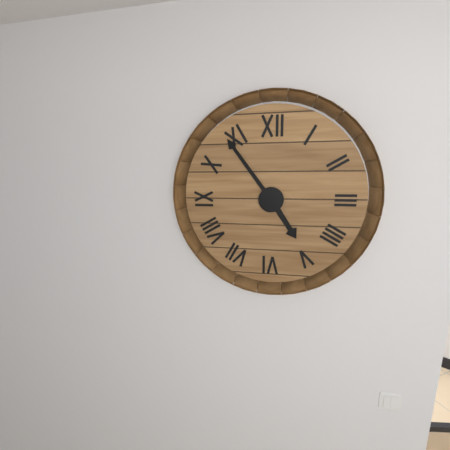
4:54
